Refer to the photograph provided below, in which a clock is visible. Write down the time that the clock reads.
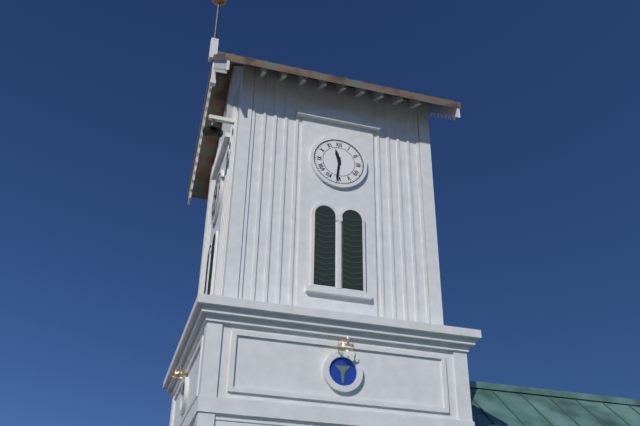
11:31
